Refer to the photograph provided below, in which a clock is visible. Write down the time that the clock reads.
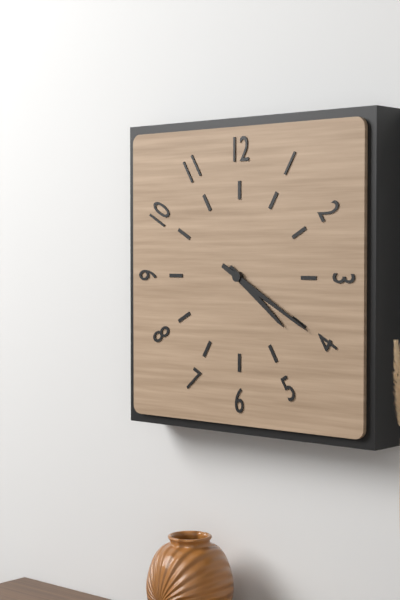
4:20
